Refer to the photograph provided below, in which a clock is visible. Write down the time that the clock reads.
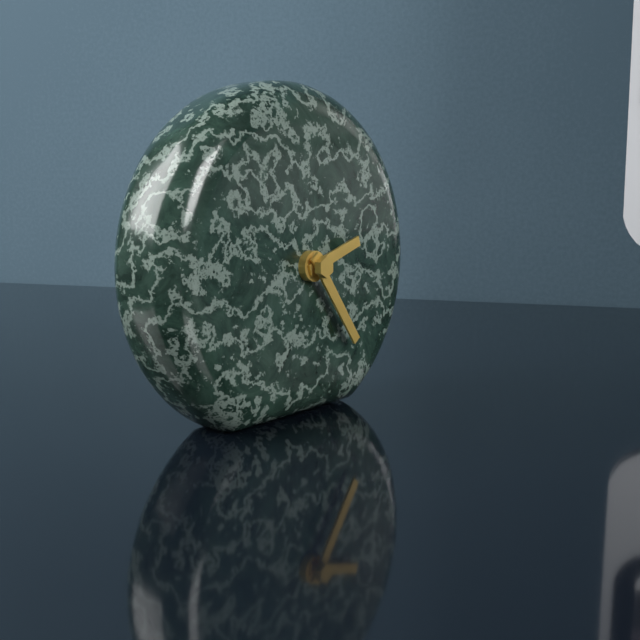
2:24
